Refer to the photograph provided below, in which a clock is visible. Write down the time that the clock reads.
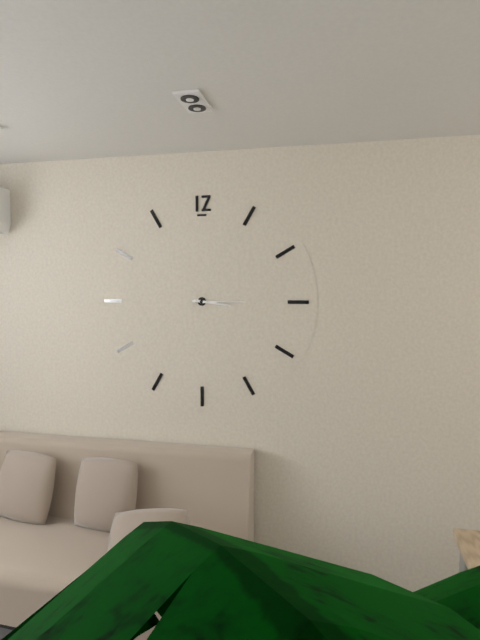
3:15
